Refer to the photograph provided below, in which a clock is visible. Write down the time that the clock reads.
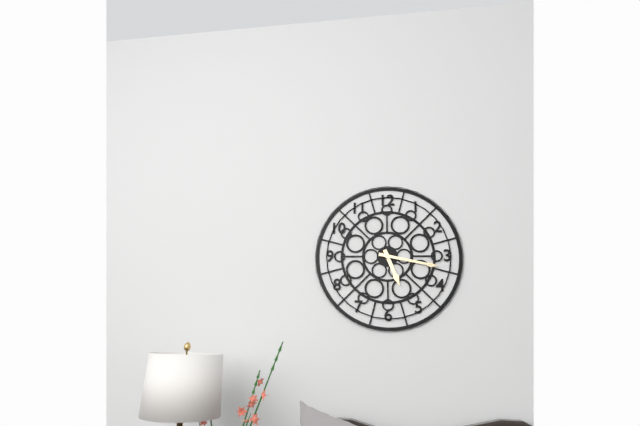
5:17
